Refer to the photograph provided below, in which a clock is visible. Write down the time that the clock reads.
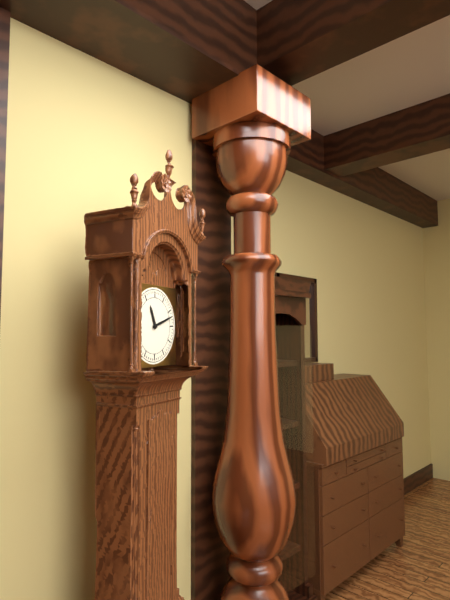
11:12
